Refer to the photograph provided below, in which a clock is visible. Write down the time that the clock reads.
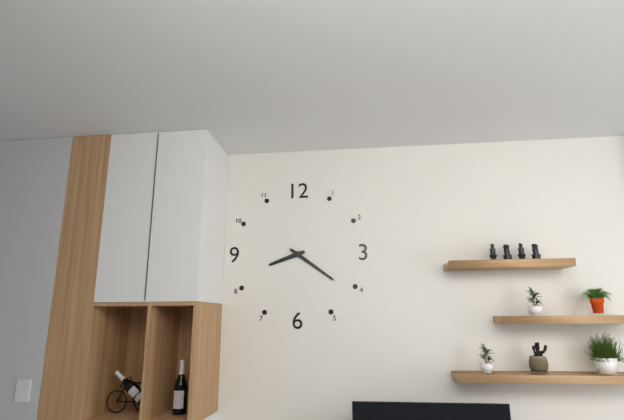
8:21
